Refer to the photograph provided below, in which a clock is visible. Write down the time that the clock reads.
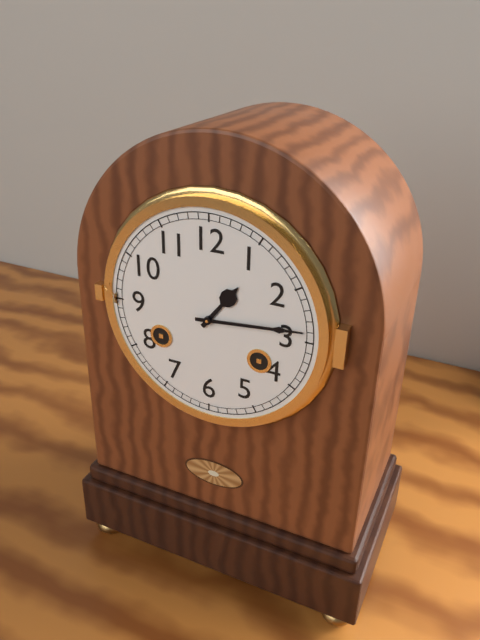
1:14
